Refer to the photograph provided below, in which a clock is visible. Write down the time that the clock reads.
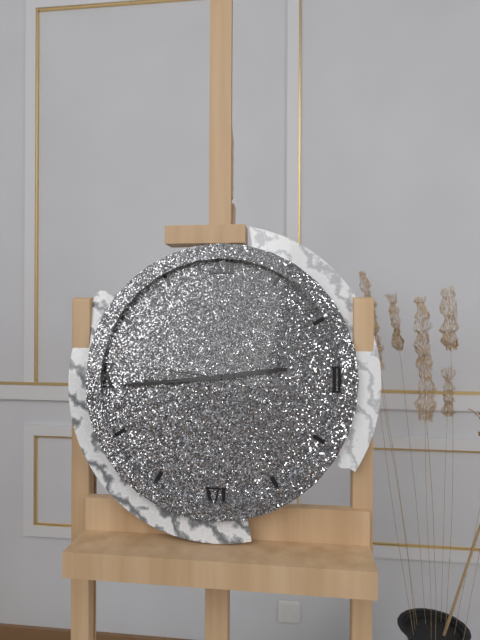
2:44:46
